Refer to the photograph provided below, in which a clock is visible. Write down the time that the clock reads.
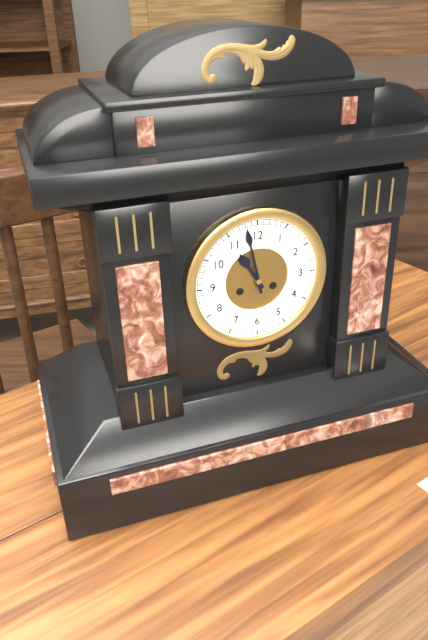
10:58
